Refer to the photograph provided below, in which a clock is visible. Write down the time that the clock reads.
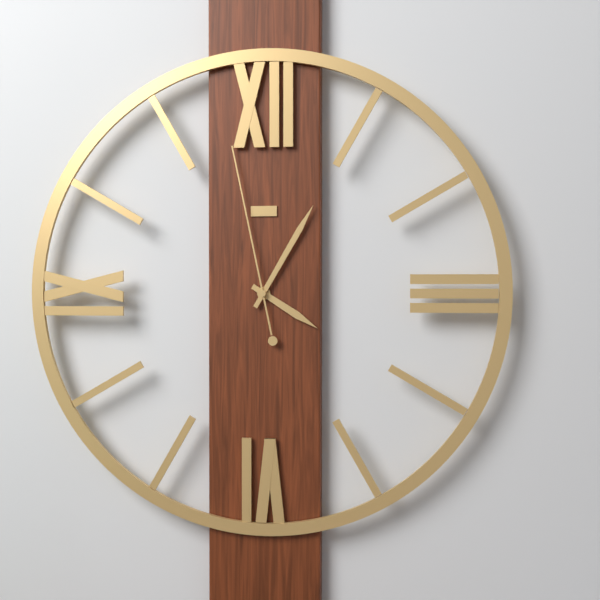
4:05:58
